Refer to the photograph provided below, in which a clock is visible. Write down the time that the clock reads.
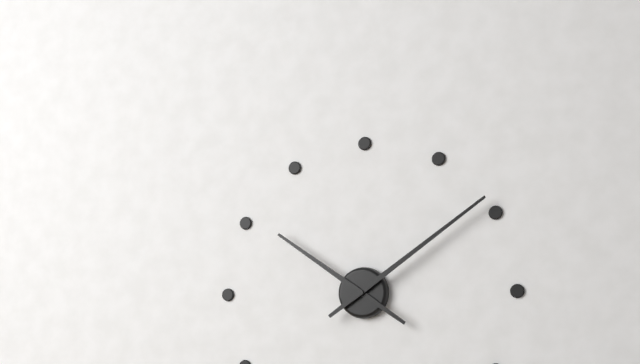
10:09
